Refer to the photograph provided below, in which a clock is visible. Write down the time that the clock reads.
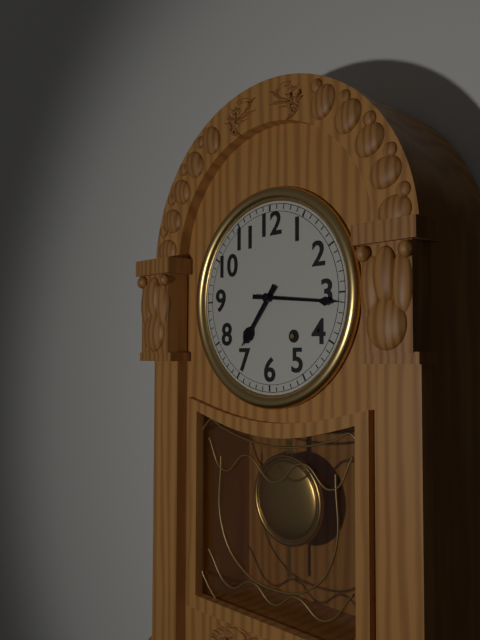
7:16
